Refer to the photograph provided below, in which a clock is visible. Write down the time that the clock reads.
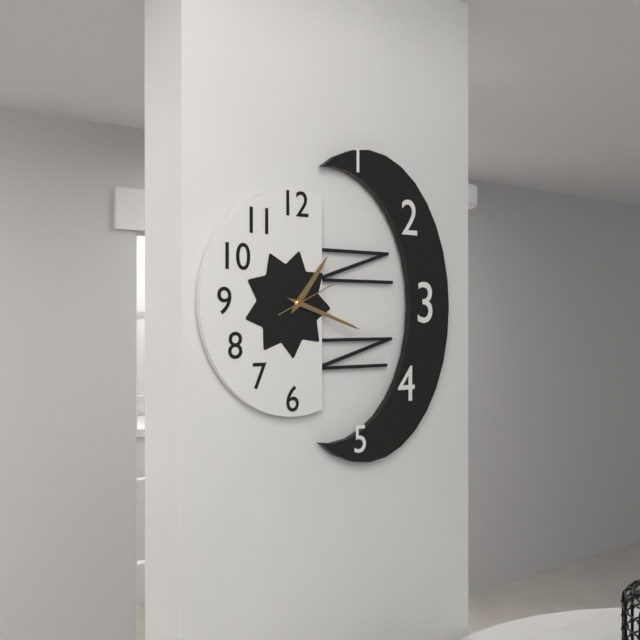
1:18:11
